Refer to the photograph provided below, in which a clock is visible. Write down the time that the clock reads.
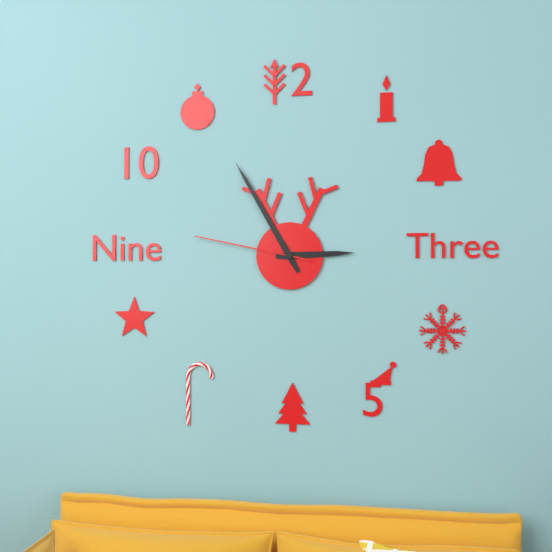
2:55:47
